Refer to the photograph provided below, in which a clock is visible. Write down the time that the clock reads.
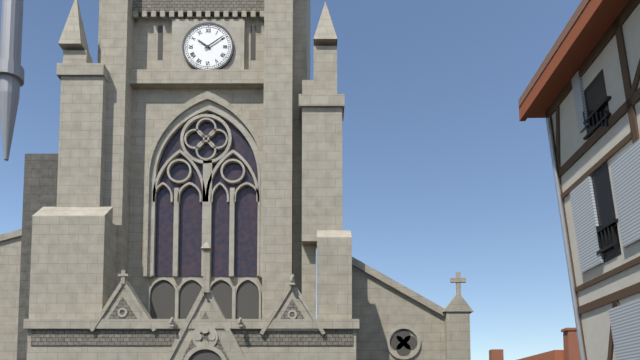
10:09
